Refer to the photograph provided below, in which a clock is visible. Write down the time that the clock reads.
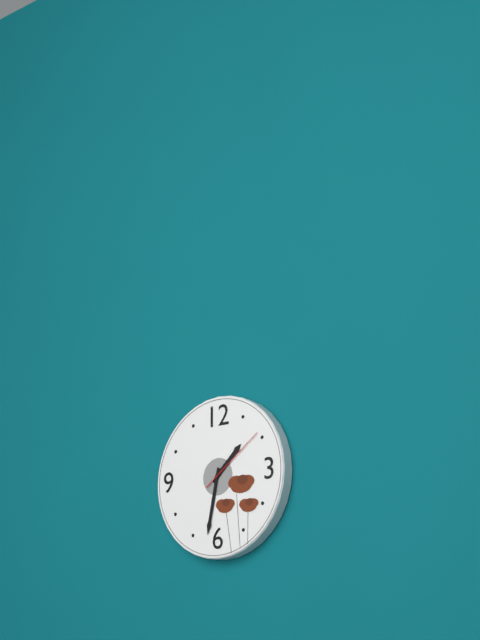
1:32:09
